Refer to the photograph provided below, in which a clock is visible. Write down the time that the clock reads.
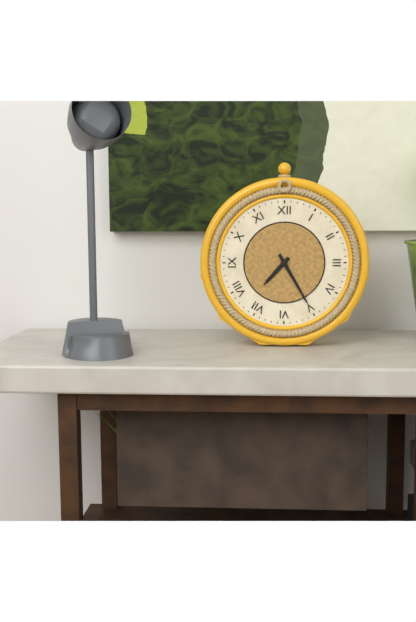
7:25
